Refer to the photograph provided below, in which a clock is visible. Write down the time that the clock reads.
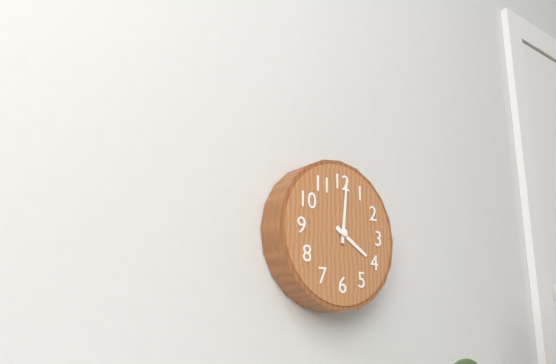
4:01
